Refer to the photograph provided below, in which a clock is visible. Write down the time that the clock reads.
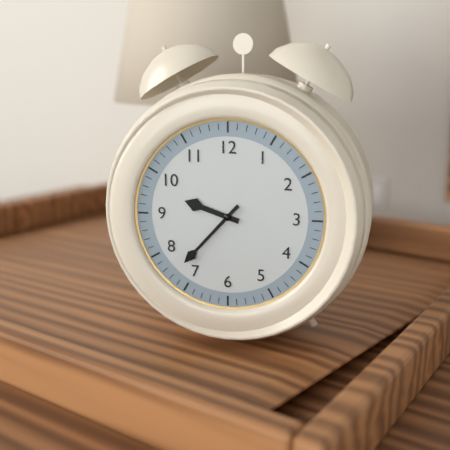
9:37
